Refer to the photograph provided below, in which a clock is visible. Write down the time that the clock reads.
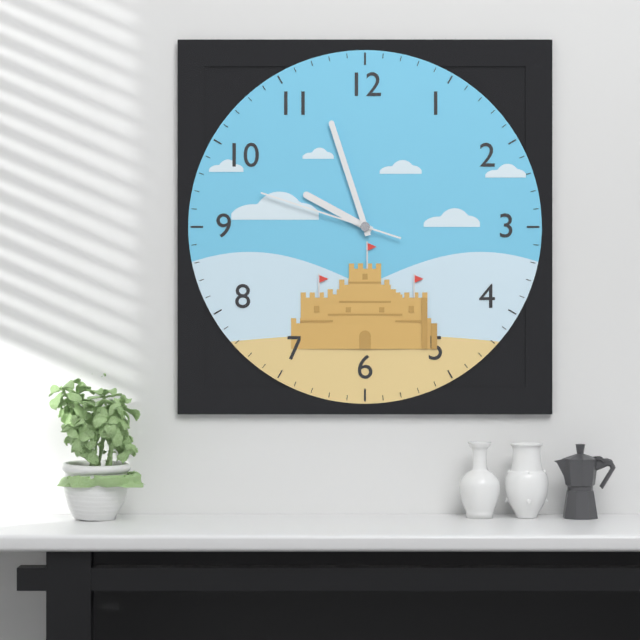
9:57:48
